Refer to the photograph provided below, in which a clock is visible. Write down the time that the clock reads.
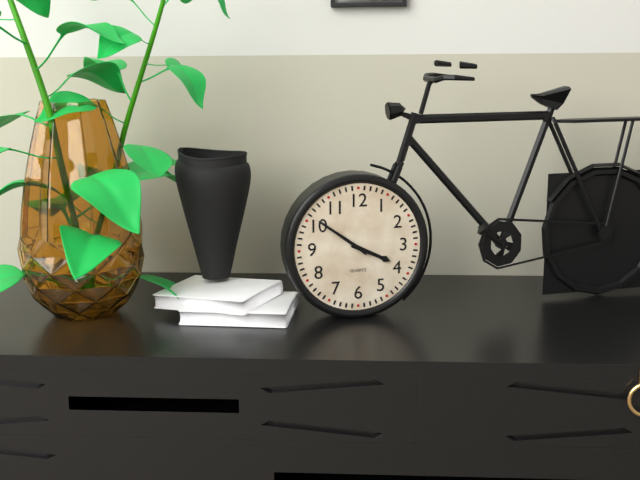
3:51
